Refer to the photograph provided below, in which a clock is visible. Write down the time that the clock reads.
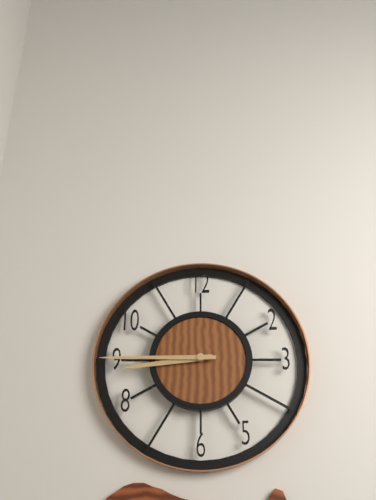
8:45
